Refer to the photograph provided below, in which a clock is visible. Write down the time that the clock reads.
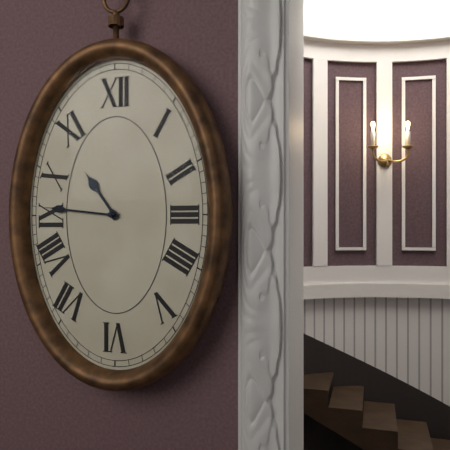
10:46
